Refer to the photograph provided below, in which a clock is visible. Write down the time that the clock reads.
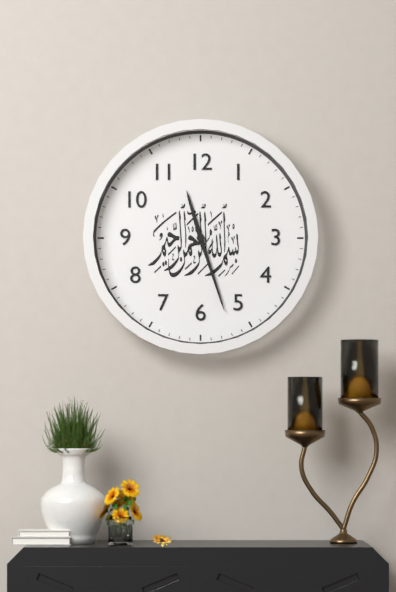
11:27
